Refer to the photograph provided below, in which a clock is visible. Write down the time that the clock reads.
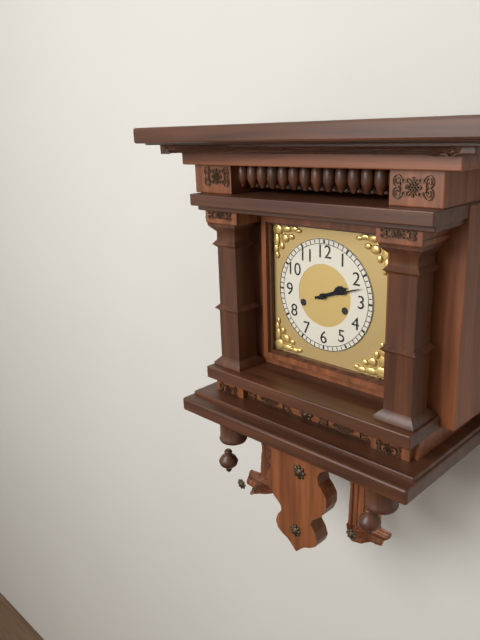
2:12
